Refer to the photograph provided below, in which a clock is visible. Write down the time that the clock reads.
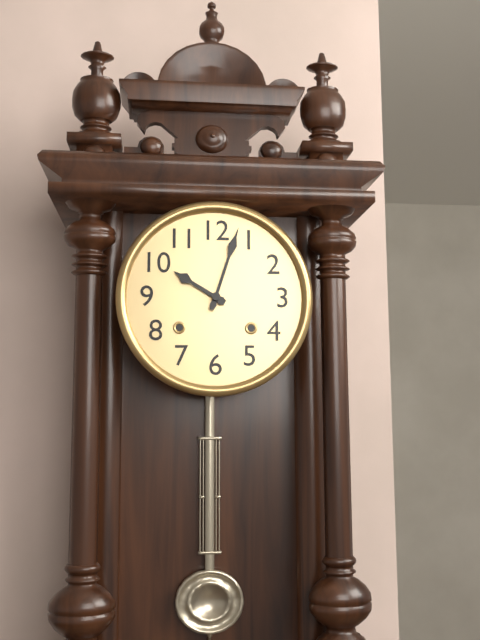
10:03
